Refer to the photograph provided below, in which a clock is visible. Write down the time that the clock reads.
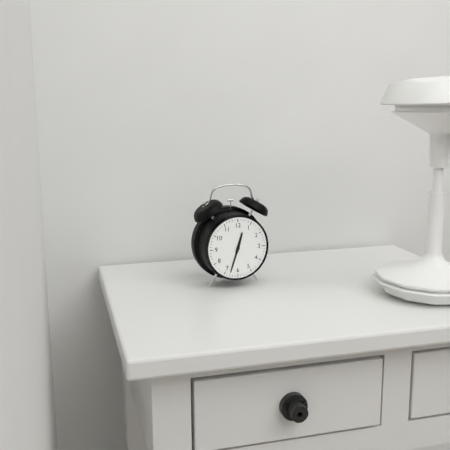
12:33
